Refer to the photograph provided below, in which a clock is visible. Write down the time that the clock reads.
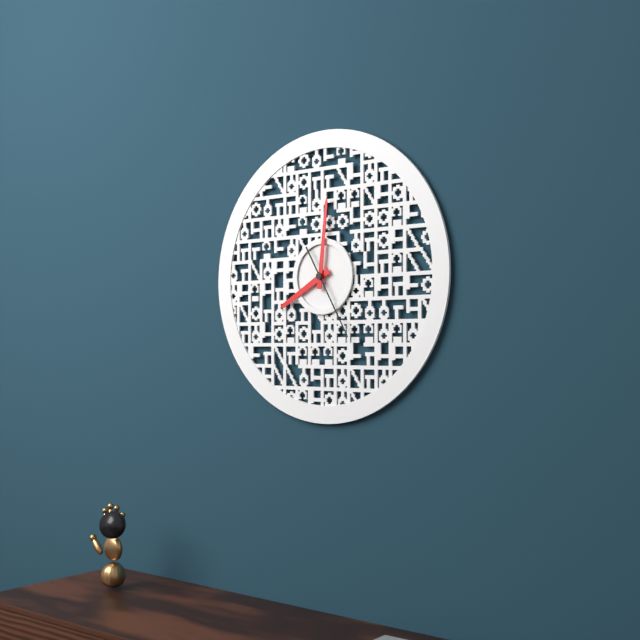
8:01:25
